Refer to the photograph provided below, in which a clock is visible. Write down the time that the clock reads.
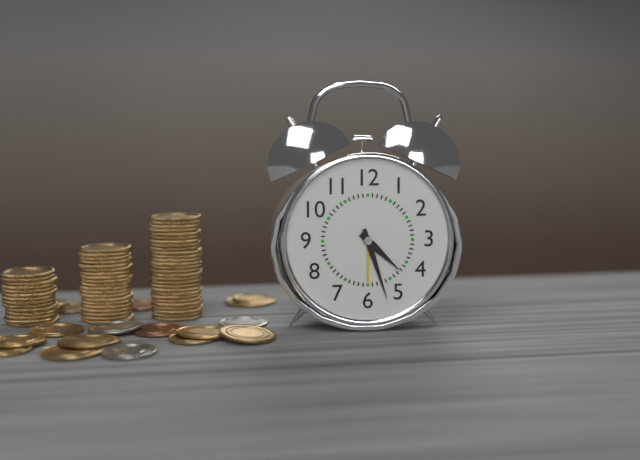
4:27
